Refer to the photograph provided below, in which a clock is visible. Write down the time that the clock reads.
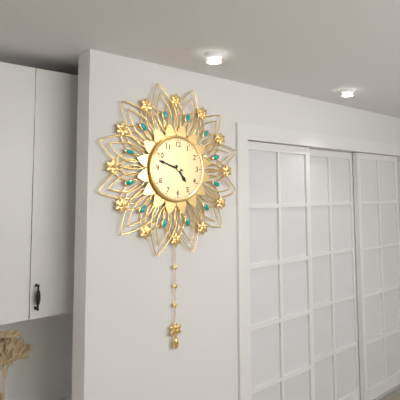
4:48
